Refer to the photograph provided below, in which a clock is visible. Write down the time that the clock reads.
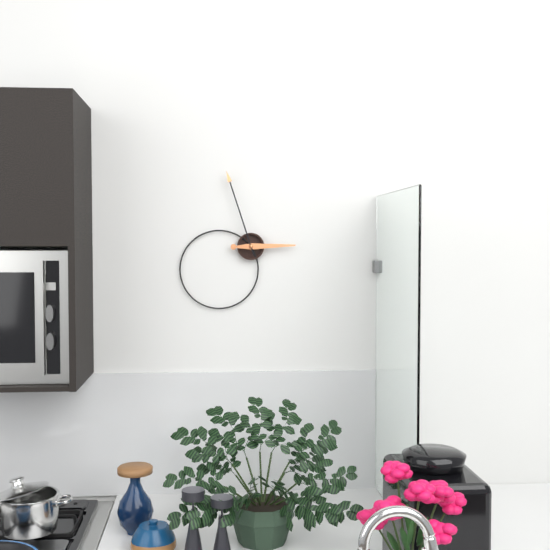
2:57
